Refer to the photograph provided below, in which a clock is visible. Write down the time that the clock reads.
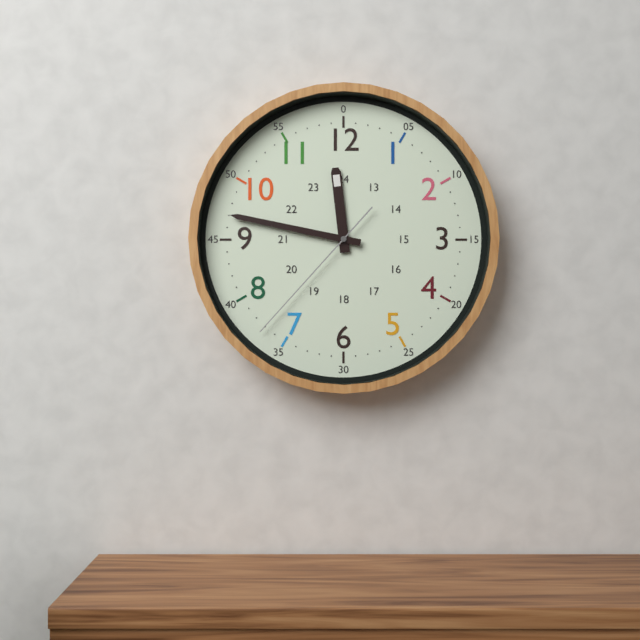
11:47:37
